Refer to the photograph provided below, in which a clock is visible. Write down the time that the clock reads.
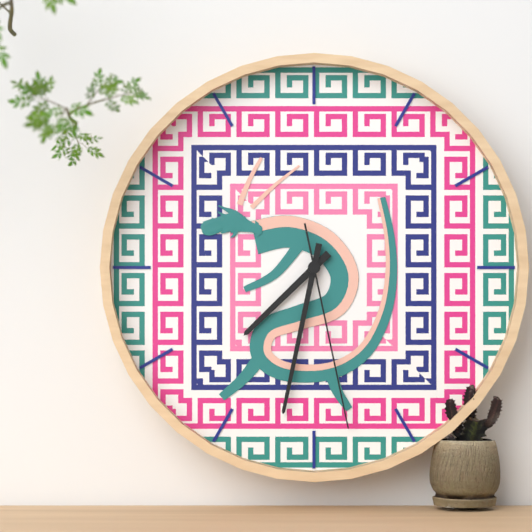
7:32:28
